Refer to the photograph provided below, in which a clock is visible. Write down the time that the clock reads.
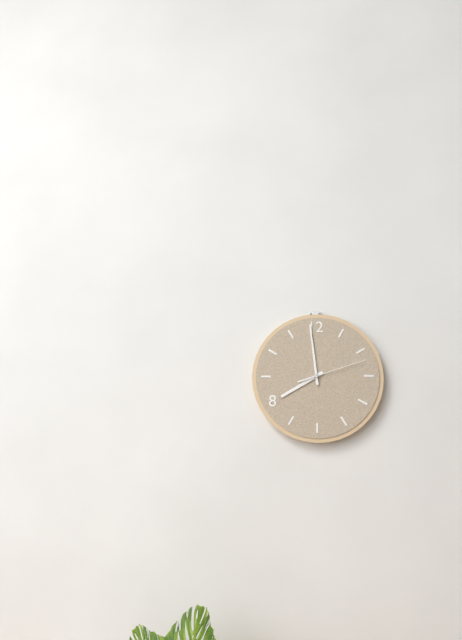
7:59:12
